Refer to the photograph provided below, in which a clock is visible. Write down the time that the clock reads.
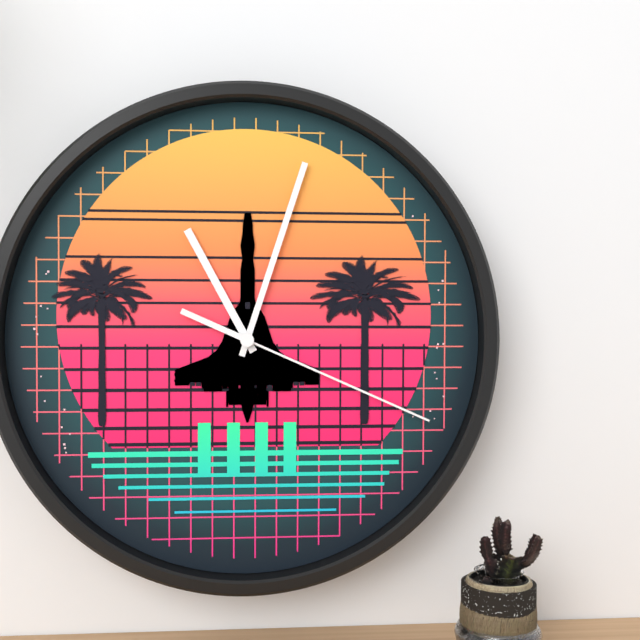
11:03:19
